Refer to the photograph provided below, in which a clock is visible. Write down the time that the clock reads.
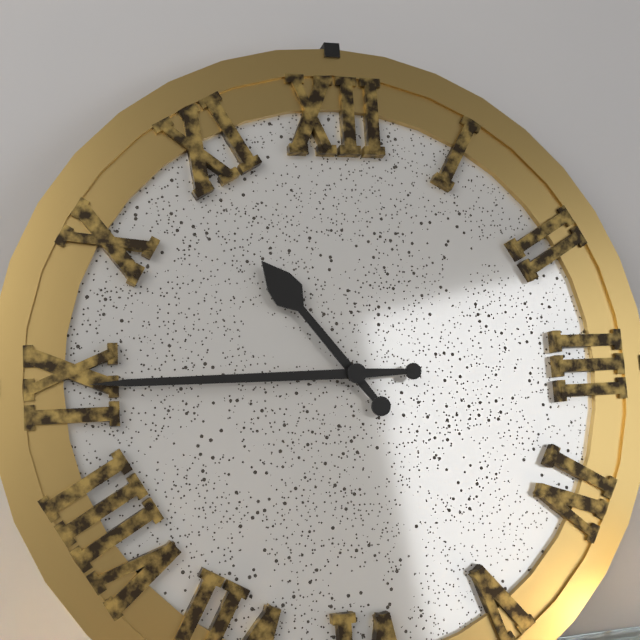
10:45
